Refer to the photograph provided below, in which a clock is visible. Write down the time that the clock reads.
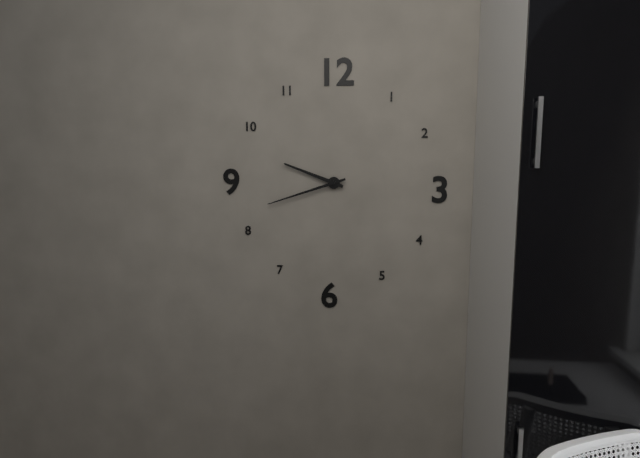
9:42
